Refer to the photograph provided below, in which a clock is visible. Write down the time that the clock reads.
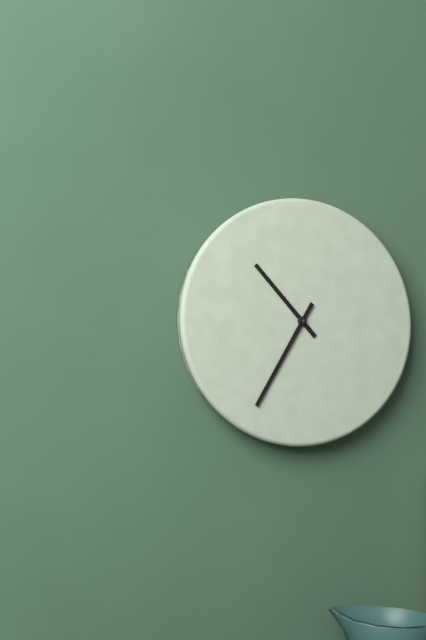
10:35
